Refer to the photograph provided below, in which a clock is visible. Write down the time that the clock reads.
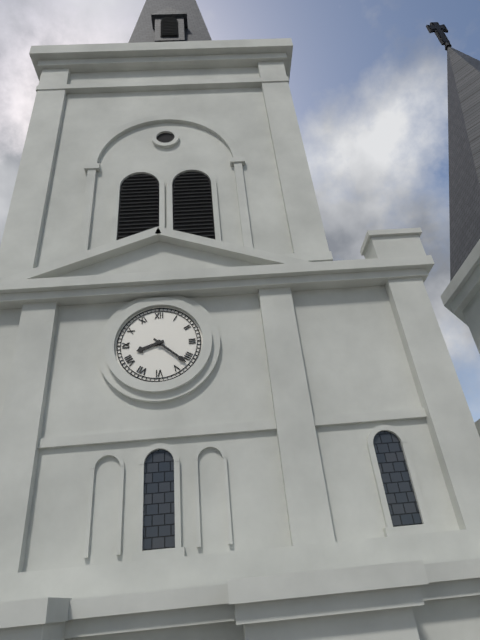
8:22
